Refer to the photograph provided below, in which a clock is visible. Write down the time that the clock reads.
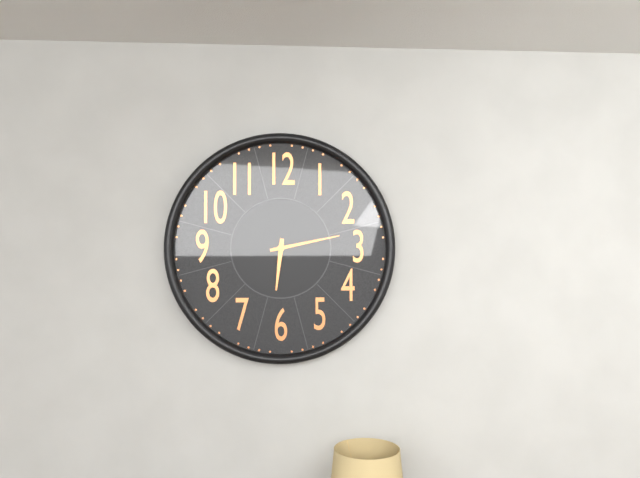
6:13
